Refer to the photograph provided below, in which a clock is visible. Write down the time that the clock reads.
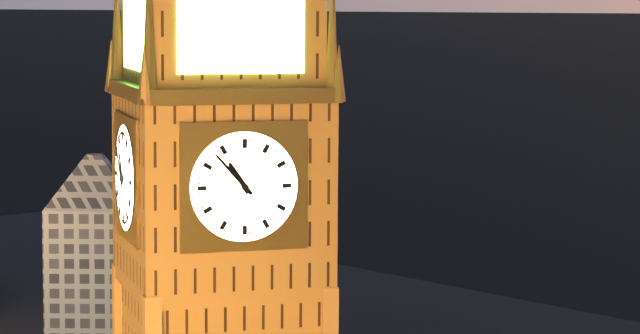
10:53
